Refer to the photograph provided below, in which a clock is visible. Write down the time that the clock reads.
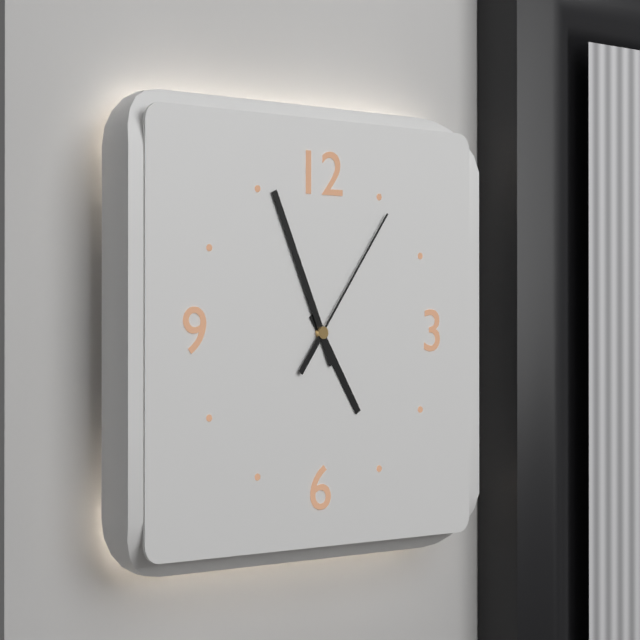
4:56:06
